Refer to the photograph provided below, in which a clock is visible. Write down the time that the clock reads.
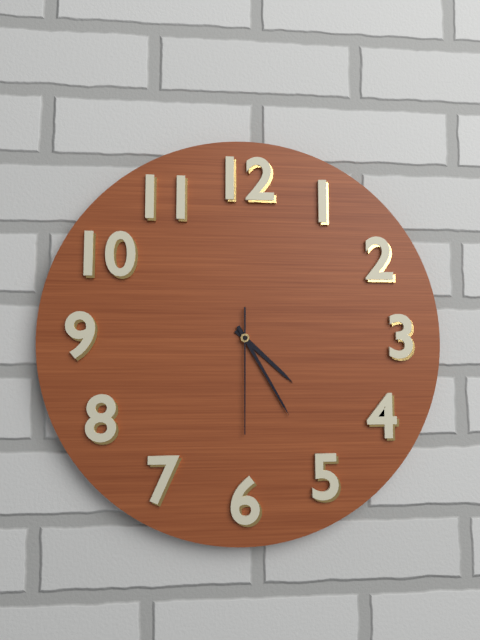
4:25:30
